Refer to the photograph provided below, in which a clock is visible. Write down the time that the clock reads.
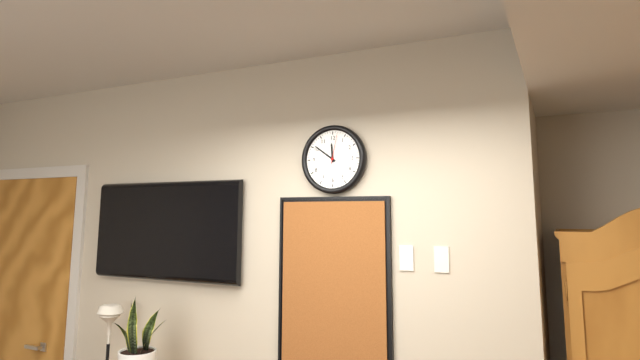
11:51
